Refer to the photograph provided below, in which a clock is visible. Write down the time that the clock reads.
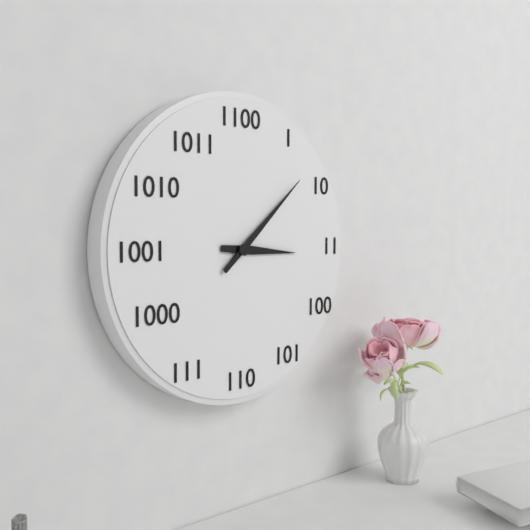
3:08
